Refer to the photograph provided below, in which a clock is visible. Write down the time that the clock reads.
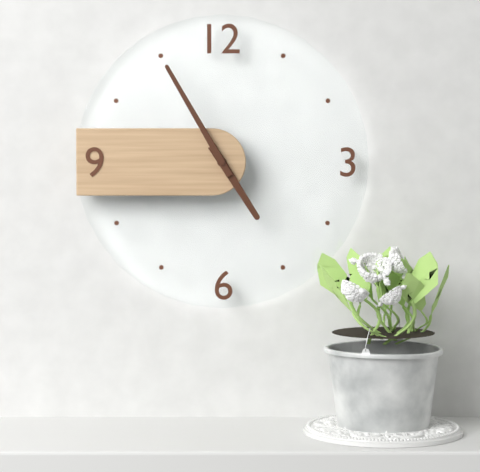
4:55
